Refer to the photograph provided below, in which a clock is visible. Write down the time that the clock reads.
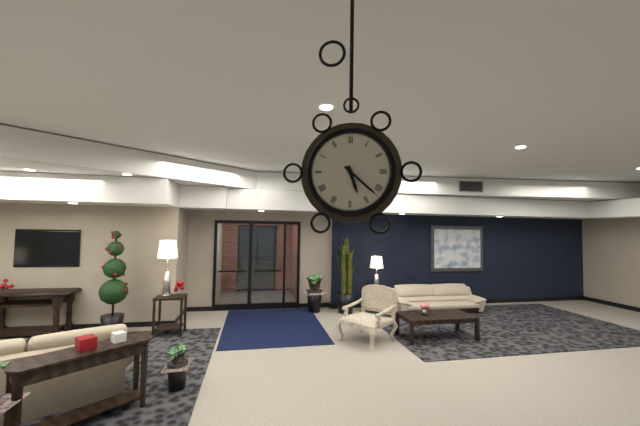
5:22
